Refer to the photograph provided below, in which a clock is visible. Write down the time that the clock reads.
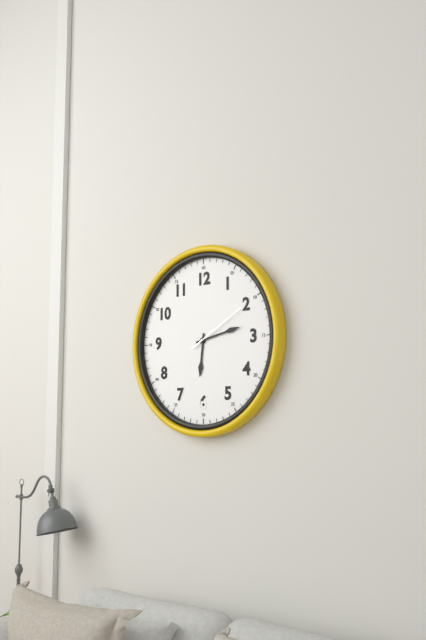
6:13:10
